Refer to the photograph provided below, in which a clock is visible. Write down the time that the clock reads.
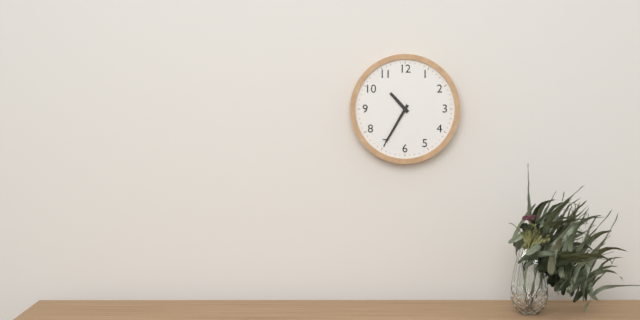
10:35
